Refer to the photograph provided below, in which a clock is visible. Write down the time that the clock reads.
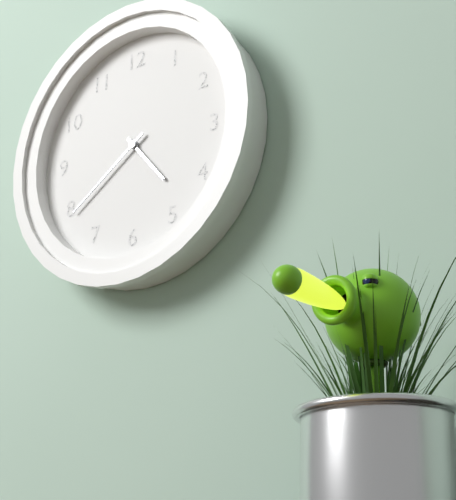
4:39
